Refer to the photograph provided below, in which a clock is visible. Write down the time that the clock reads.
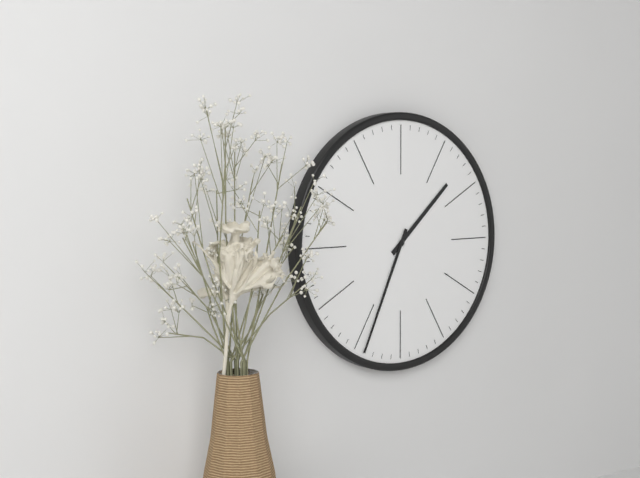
1:34
